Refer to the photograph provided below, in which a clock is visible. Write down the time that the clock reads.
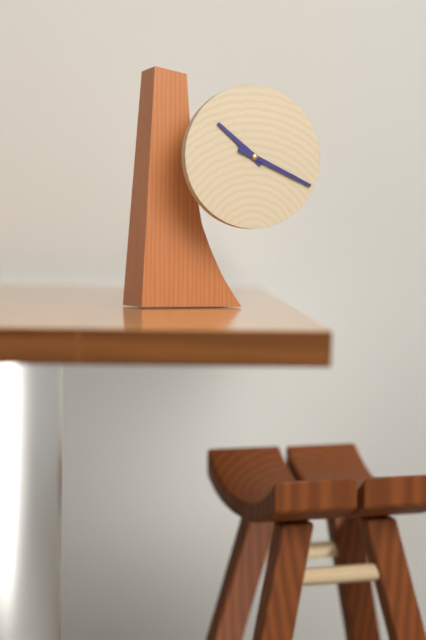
10:19
